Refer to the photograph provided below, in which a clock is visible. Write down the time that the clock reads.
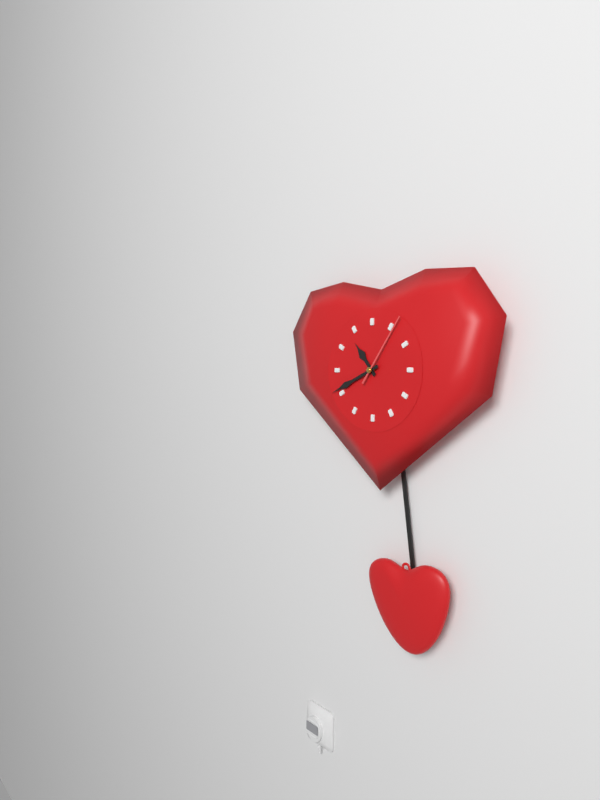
10:41:06
